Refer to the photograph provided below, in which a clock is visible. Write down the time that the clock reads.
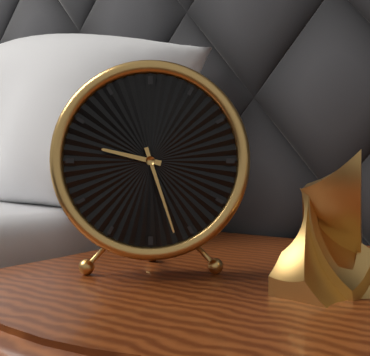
9:27
